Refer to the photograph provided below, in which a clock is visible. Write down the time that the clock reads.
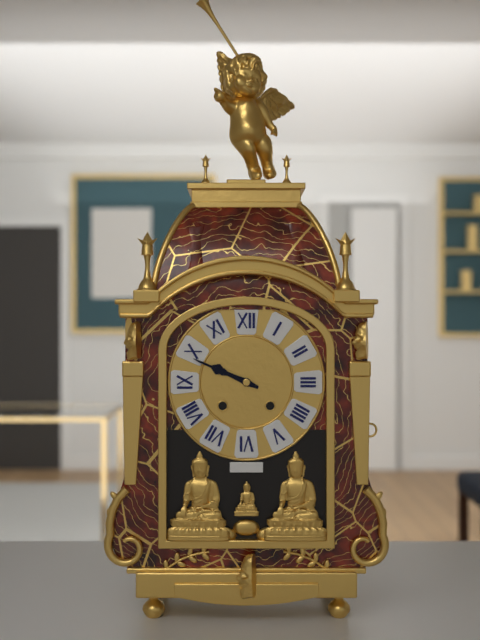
9:49
